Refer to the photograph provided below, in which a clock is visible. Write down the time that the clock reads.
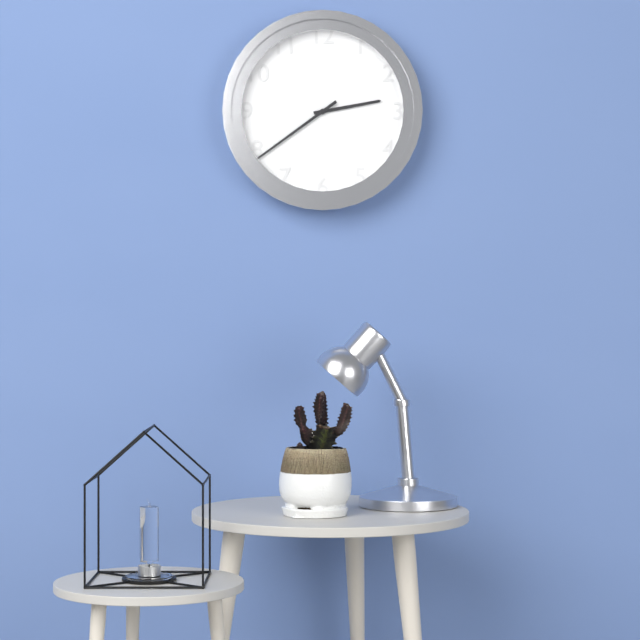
2:39
